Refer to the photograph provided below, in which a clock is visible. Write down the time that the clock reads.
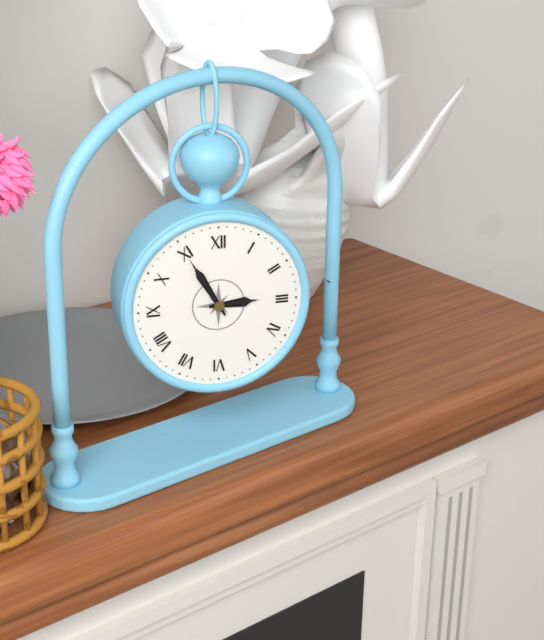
2:55
